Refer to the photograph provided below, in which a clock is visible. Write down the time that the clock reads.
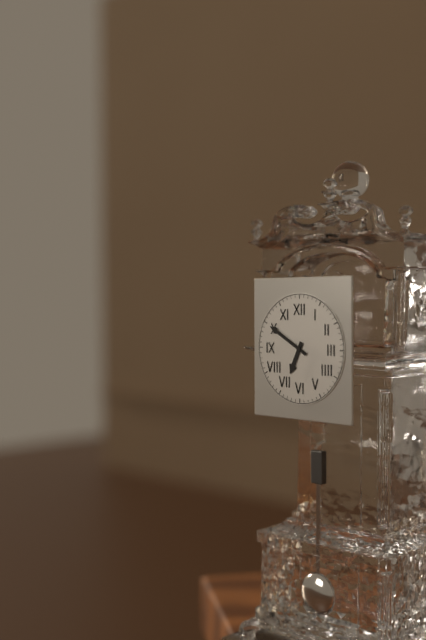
6:50
